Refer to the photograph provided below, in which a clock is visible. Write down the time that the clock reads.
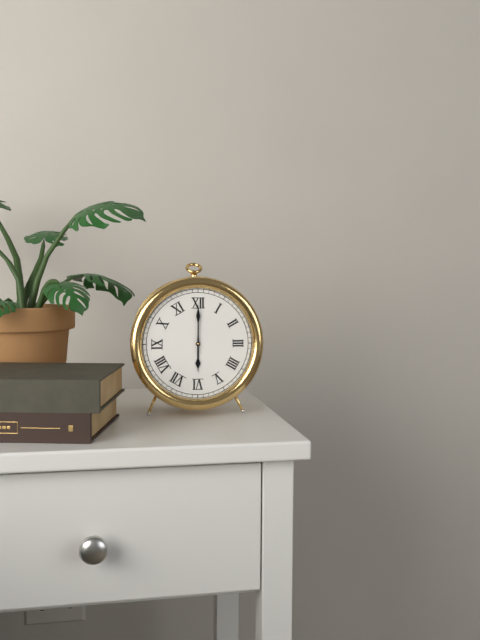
6:00
